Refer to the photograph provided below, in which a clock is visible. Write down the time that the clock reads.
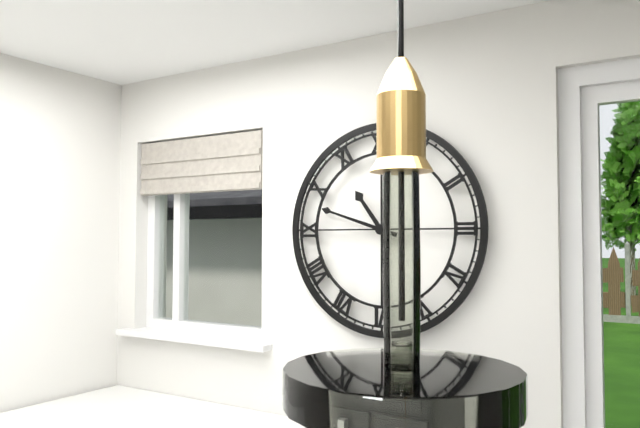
10:48
